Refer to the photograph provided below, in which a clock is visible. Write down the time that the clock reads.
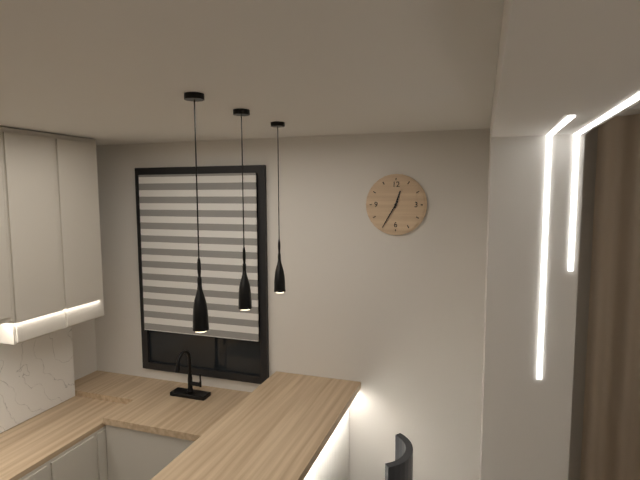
12:35
